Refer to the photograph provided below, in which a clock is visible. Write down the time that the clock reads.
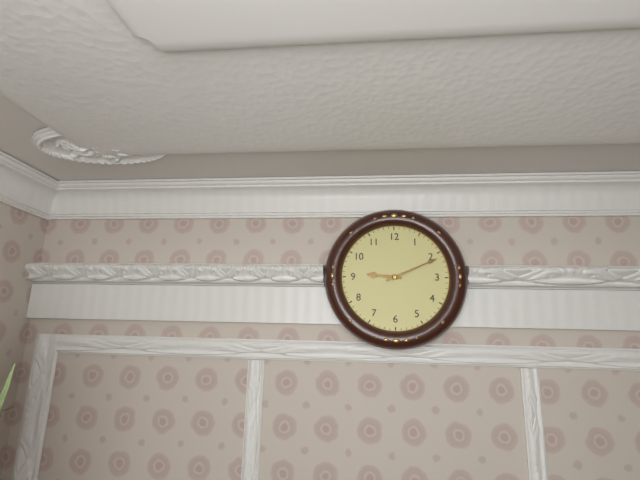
9:11
